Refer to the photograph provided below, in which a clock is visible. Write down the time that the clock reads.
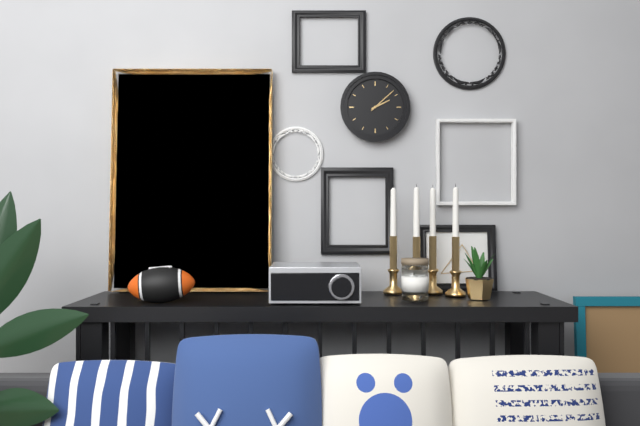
2:08
